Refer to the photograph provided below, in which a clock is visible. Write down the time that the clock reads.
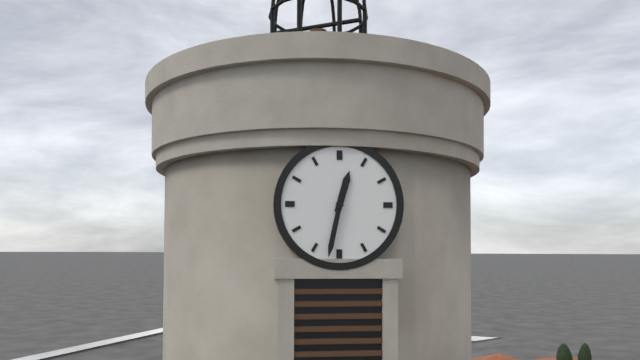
12:32
